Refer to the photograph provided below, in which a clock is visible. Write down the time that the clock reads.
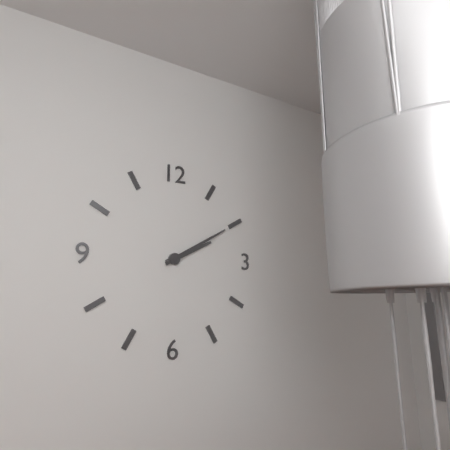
2:10
